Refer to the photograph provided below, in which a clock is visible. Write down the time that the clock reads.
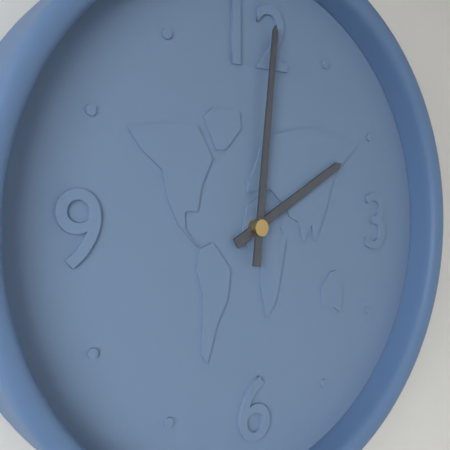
2:01
